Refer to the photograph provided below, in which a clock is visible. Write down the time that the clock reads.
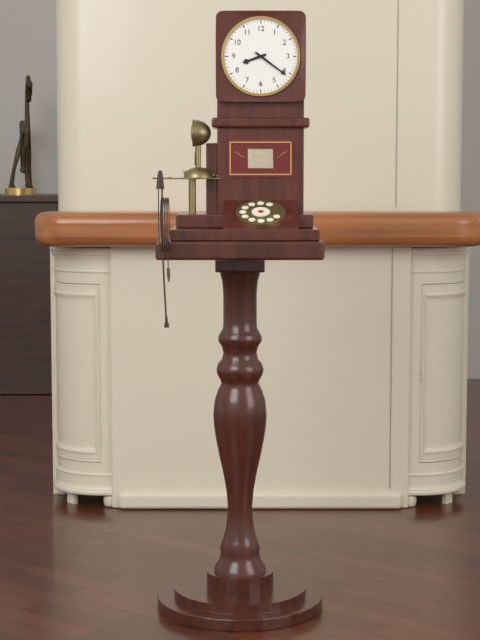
8:21
